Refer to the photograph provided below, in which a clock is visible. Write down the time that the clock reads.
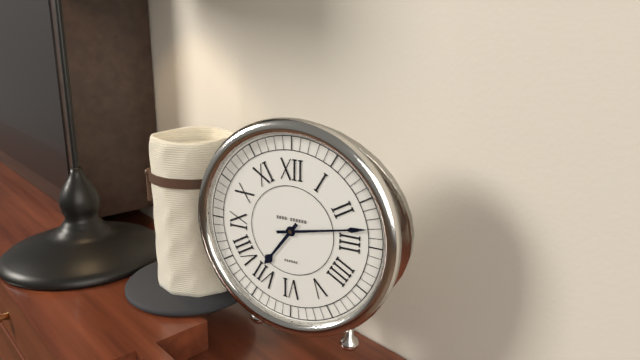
7:13
